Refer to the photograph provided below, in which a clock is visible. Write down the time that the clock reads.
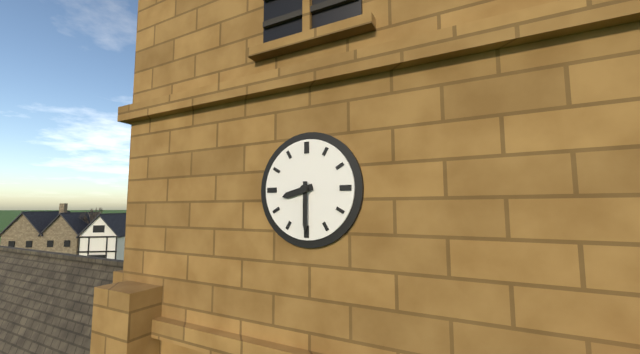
8:30
